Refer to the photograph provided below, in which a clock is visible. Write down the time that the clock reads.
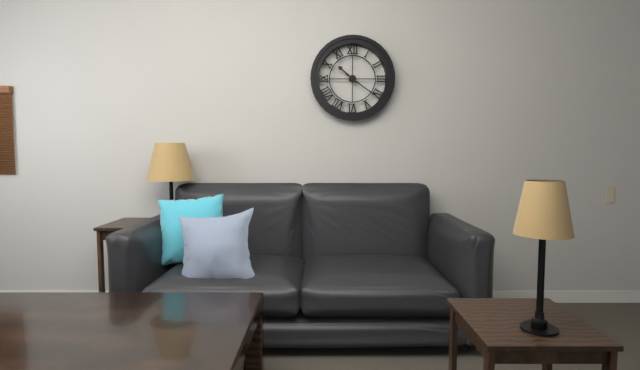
10:21
